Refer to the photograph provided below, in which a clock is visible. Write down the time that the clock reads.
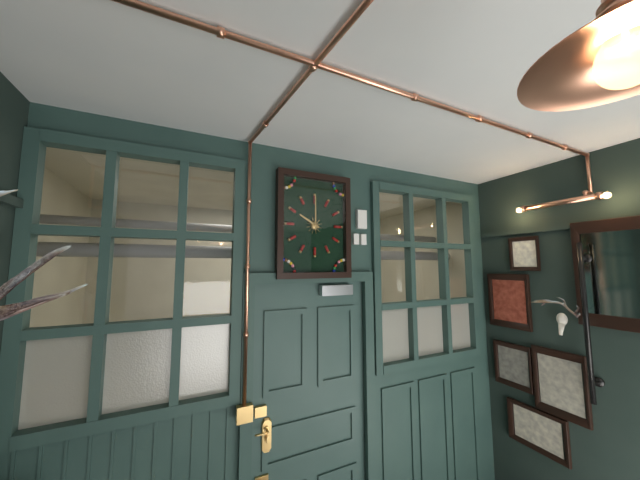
10:00
